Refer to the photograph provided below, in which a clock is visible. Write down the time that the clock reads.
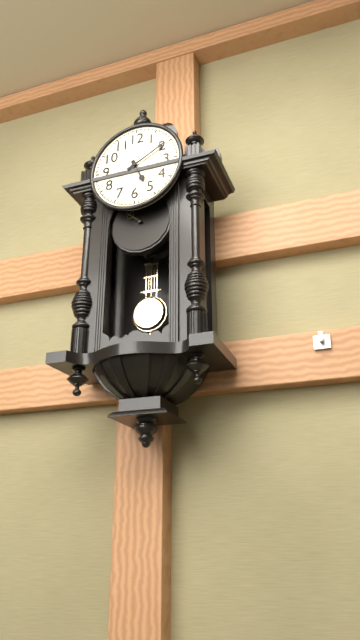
5:10
